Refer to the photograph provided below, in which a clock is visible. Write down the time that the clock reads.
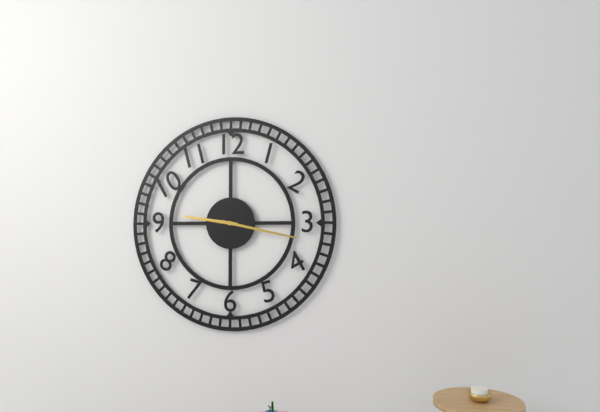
9:17
